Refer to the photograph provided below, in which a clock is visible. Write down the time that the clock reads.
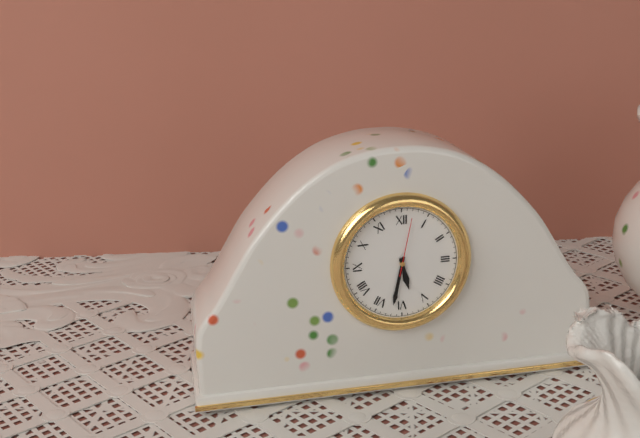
5:32:02
